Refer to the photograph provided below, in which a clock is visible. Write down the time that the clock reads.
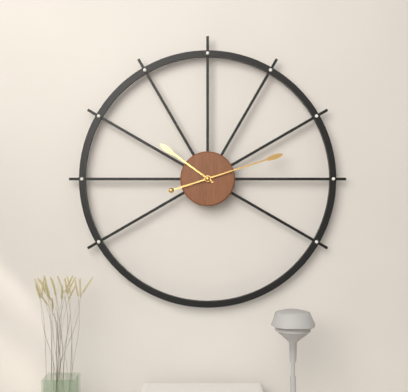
10:12
